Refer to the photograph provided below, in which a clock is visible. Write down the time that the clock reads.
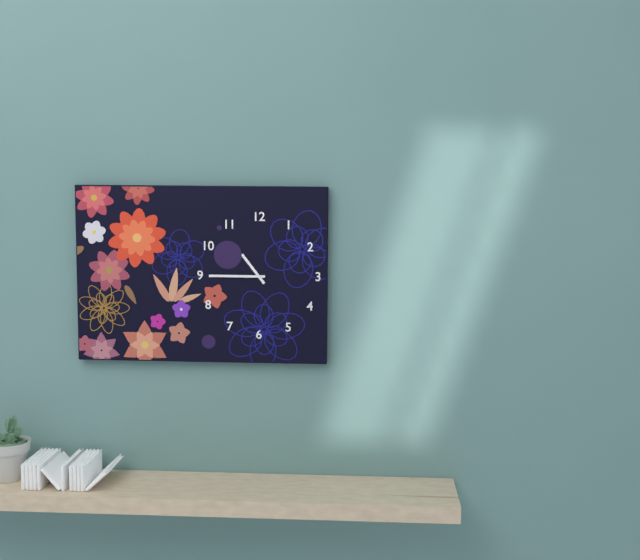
10:45
